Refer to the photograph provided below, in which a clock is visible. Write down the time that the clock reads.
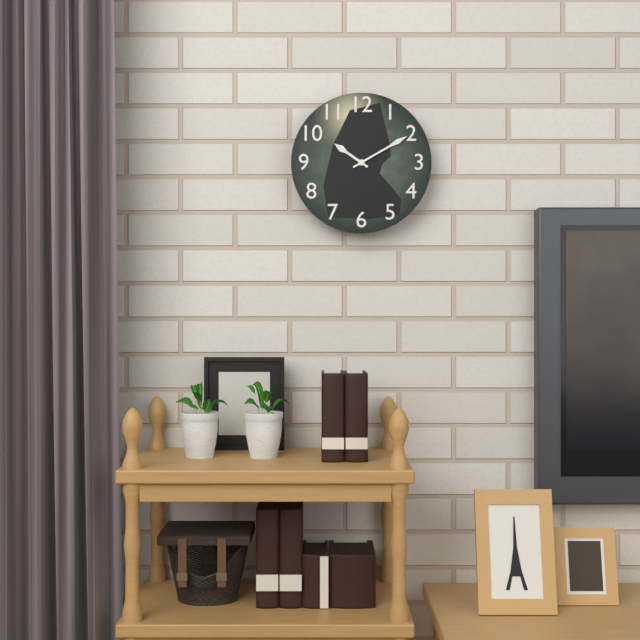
10:10
